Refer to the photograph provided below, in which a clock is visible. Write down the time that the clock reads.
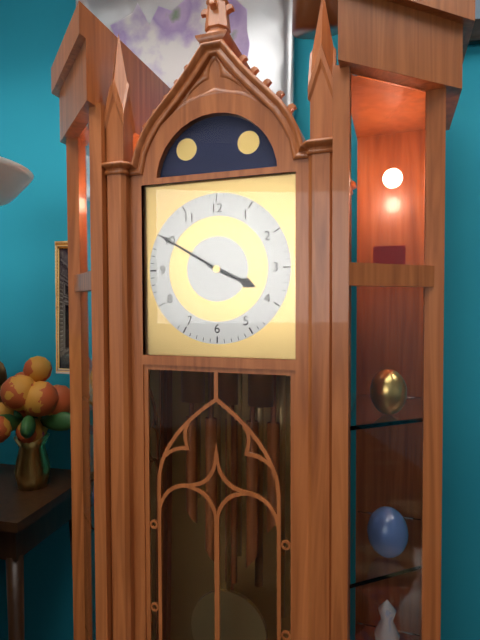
3:50
